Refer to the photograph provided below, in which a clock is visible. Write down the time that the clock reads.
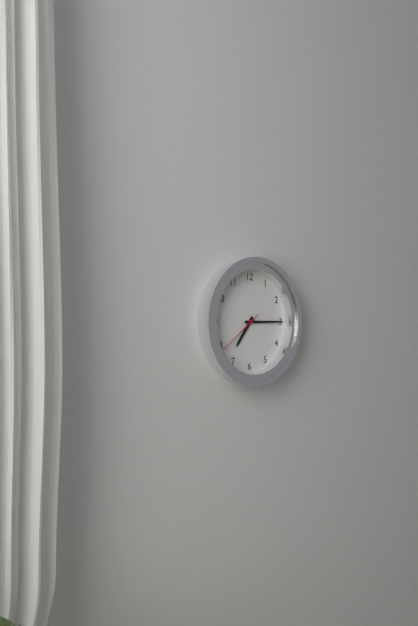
7:15:39
